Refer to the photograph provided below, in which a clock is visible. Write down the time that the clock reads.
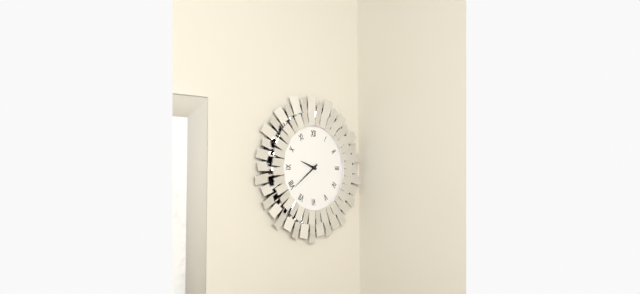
9:39
